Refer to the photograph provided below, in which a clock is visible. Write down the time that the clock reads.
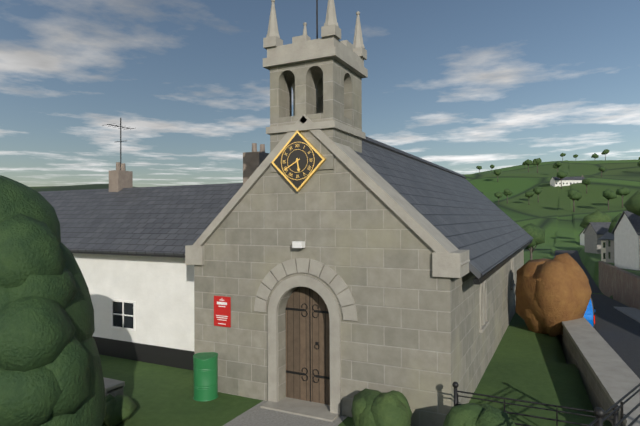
5:40
